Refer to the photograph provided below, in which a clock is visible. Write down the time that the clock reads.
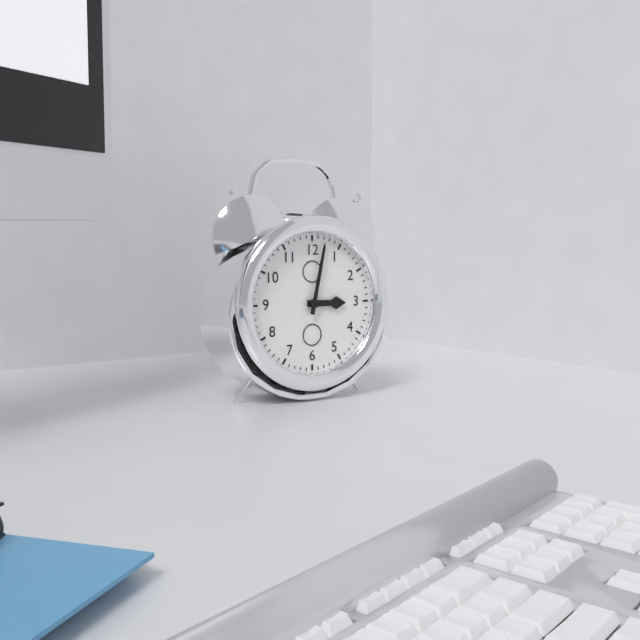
3:02
